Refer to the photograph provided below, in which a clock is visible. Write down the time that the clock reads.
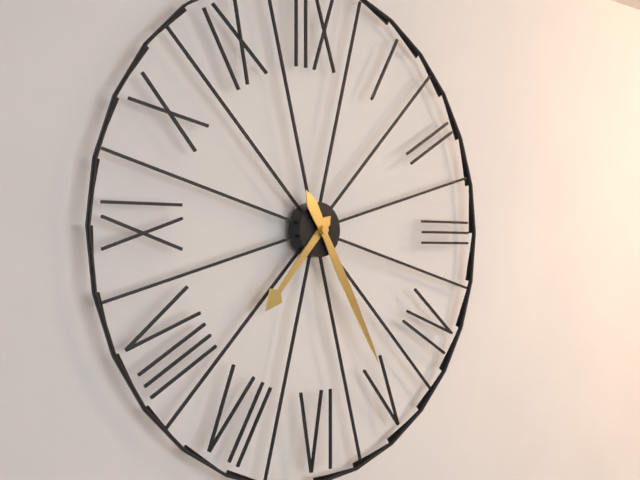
7:25
